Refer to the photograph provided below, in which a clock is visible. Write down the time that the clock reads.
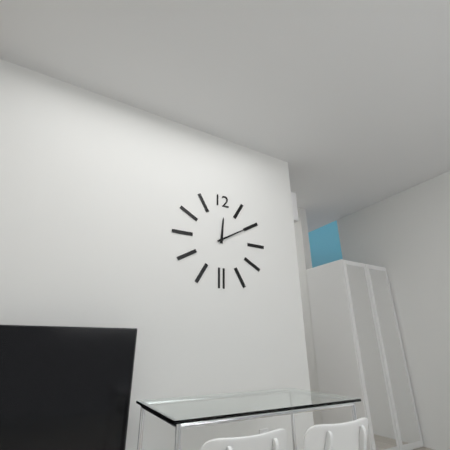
12:10
